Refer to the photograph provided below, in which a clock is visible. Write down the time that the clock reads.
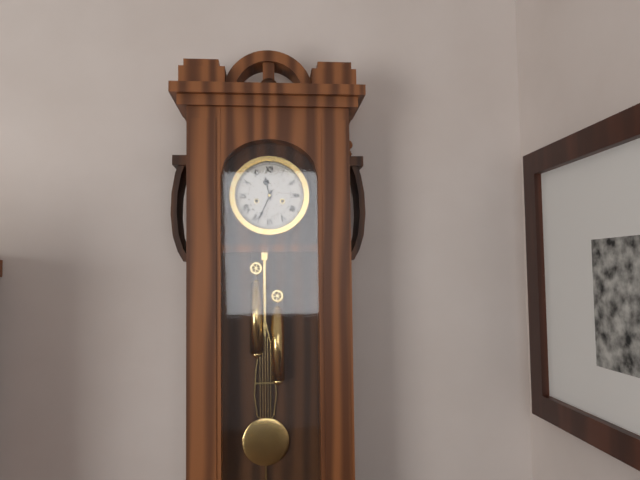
11:34
